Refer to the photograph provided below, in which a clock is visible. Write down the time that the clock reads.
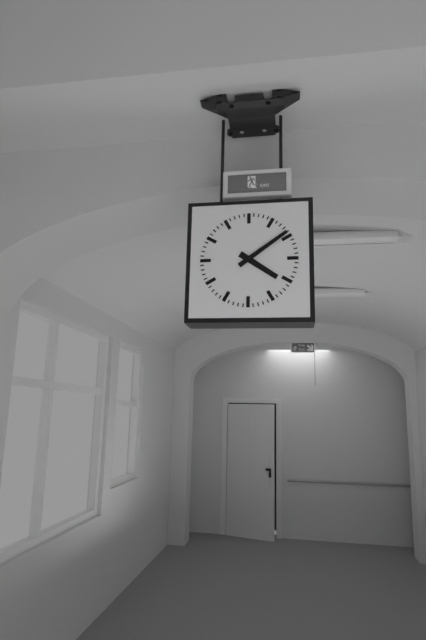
4:09
